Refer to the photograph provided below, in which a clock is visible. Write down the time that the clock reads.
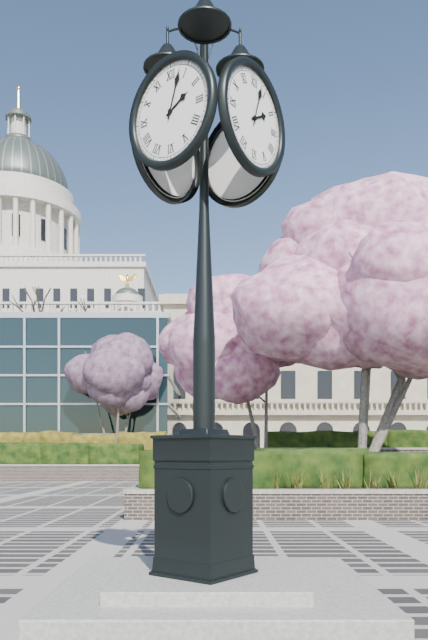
2:03
